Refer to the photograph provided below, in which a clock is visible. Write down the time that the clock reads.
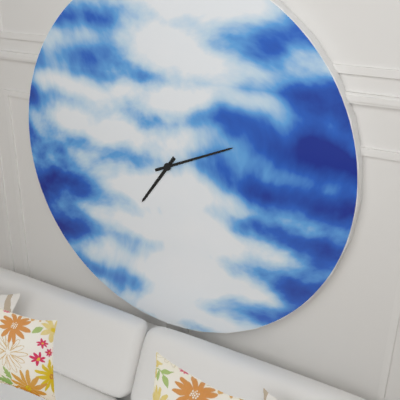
7:11
